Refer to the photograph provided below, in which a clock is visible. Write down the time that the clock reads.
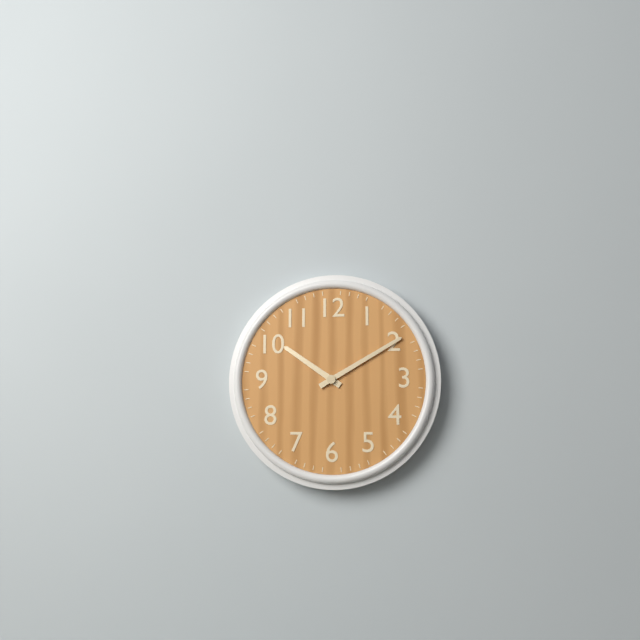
10:10
